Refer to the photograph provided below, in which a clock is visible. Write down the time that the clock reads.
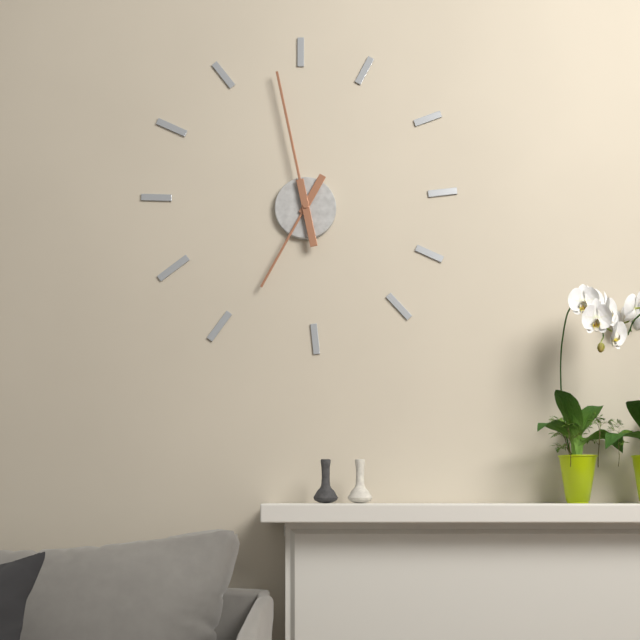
6:58
